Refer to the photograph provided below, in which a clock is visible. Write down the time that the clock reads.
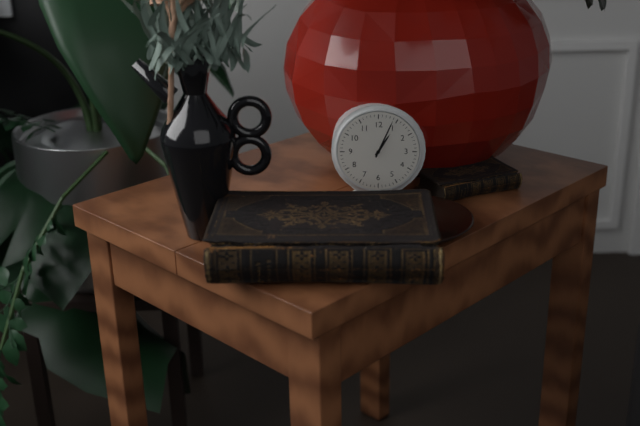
1:04
